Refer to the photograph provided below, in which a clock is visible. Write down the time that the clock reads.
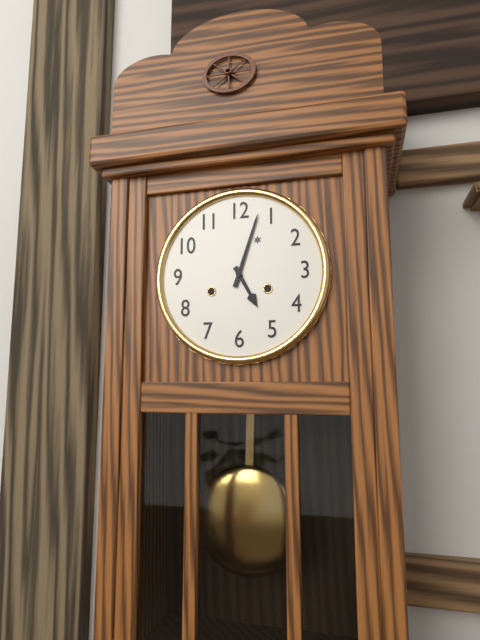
5:03
